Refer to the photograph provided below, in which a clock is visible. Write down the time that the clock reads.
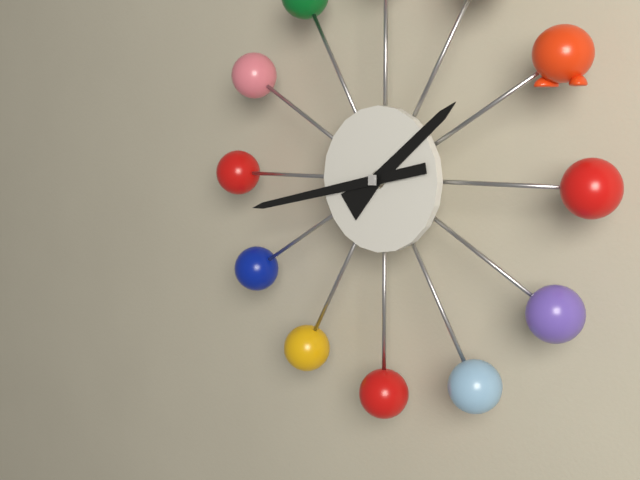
1:43
